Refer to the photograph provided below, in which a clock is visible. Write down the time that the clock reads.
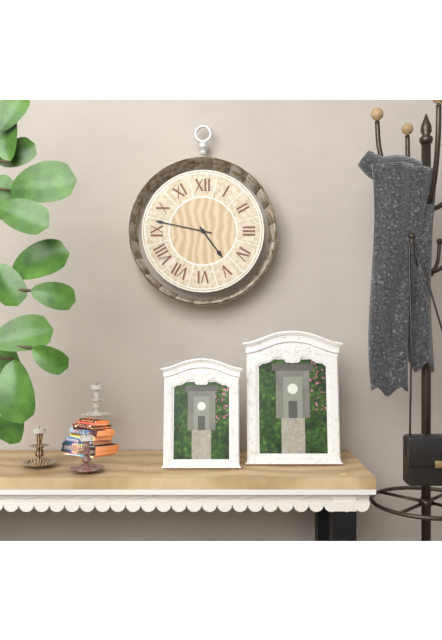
4:47
